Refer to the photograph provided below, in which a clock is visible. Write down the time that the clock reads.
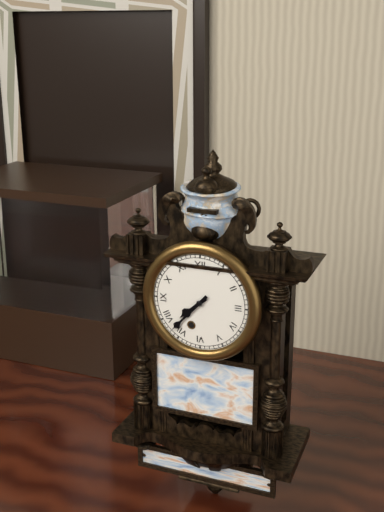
7:37
